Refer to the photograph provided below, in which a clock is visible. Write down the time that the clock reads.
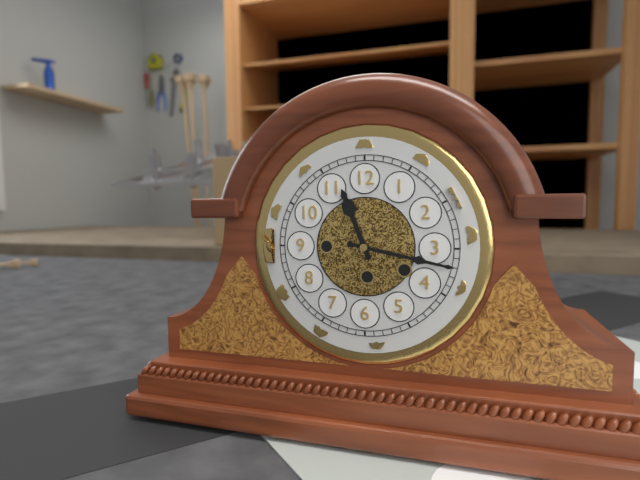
11:17
